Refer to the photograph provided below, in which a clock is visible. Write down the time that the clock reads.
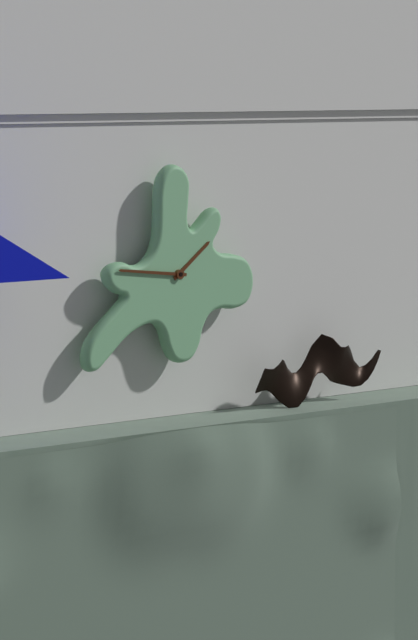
1:46
